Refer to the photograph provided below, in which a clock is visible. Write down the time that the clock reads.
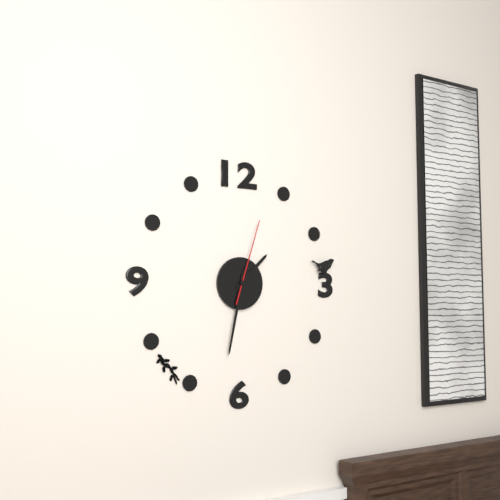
1:32:03
